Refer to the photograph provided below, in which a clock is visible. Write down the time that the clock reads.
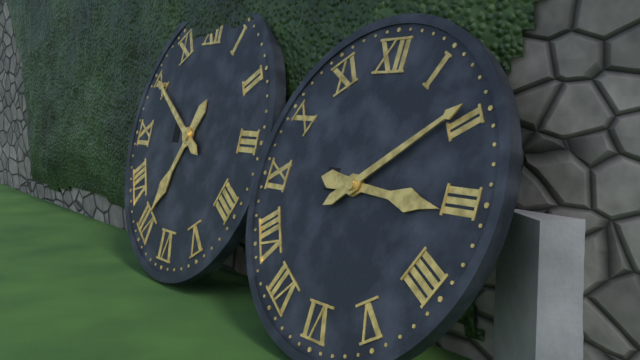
3:09
